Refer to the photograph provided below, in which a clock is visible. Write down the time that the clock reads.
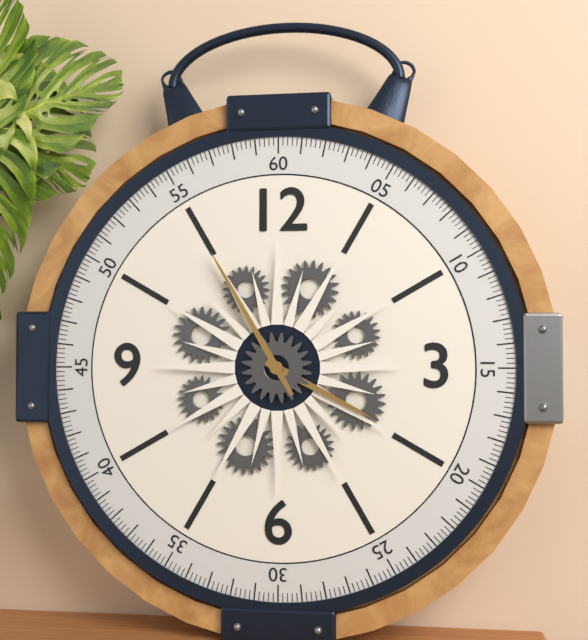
3:55
